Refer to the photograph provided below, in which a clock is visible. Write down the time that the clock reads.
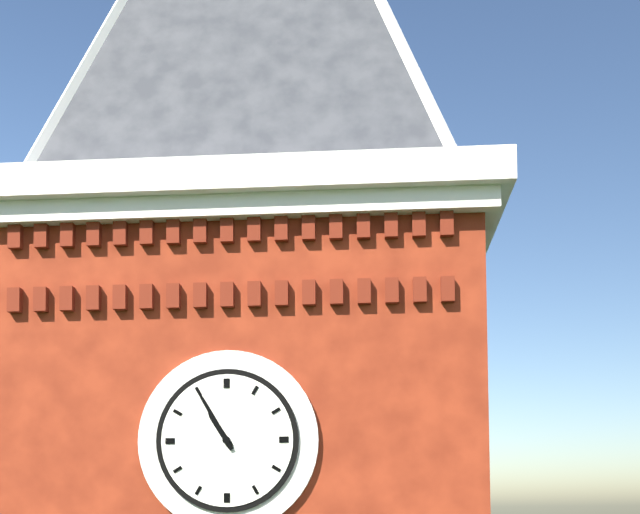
10:55
